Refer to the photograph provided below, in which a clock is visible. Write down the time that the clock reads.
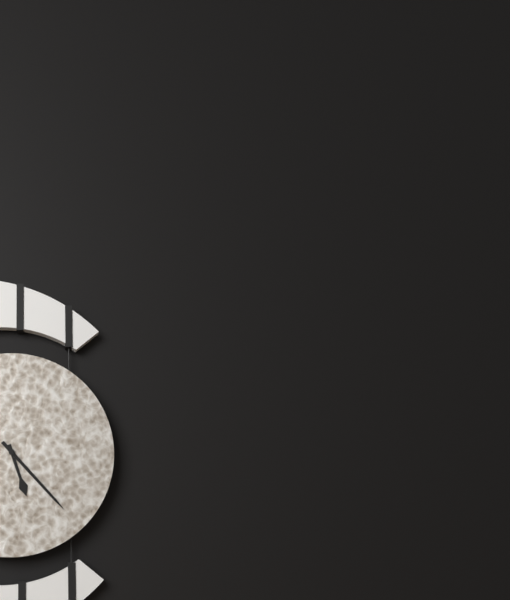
5:23
